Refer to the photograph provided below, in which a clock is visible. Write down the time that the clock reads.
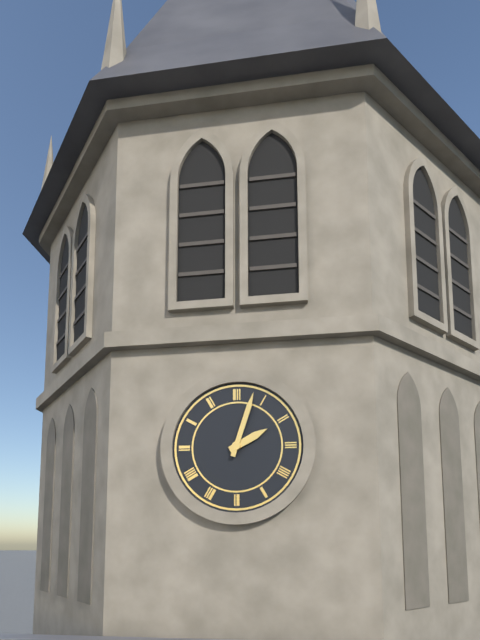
2:03
